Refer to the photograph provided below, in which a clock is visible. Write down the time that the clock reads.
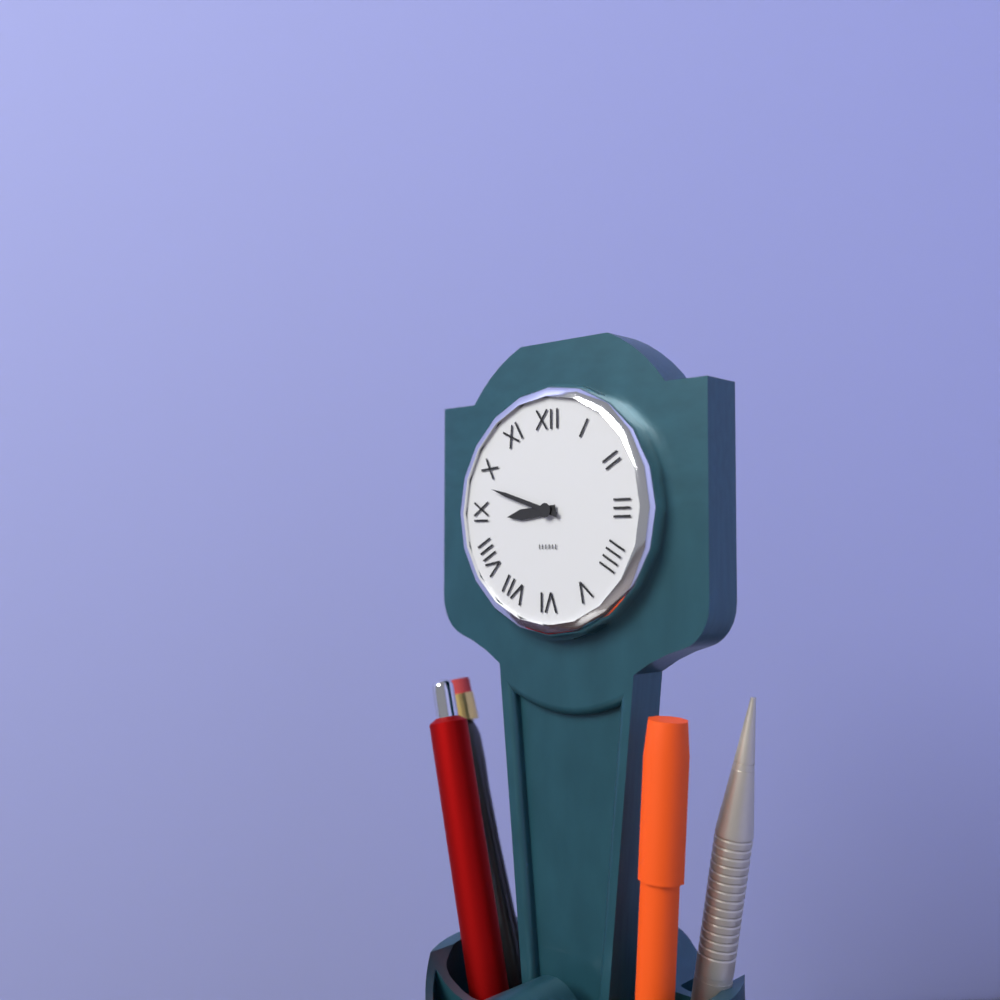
8:48
